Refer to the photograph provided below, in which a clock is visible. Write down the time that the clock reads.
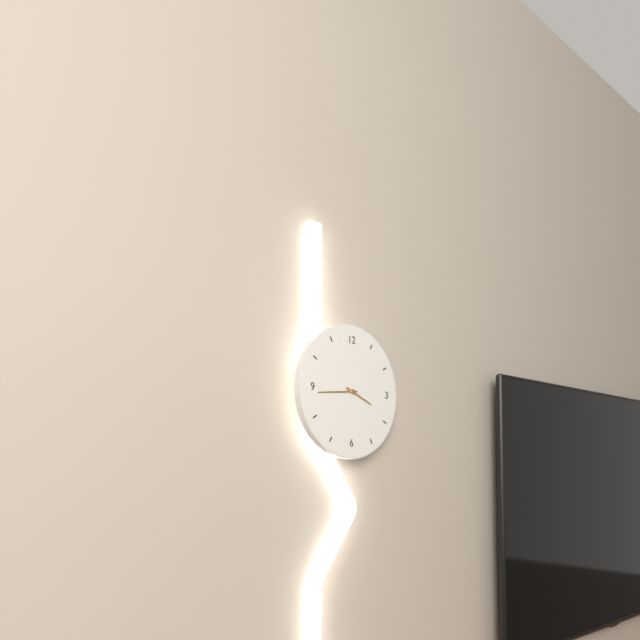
3:44
